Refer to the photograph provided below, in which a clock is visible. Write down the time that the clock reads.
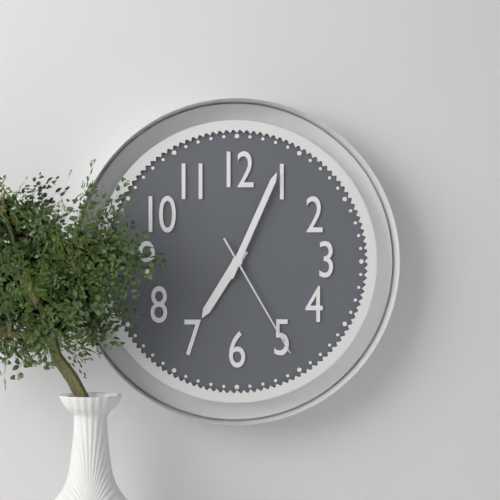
7:04:25
